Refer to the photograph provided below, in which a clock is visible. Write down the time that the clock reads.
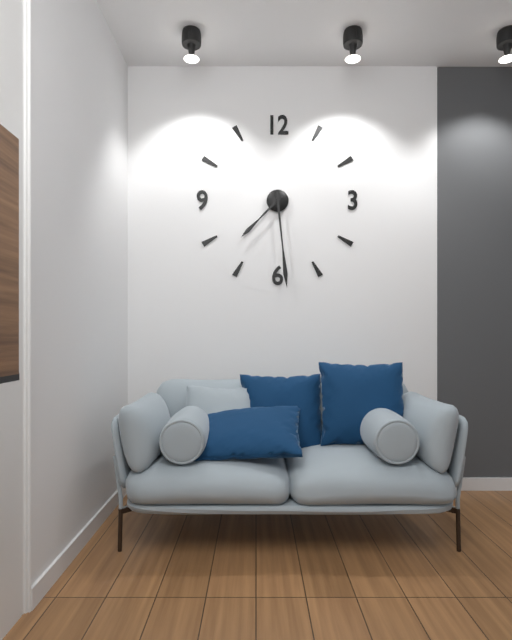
7:29
